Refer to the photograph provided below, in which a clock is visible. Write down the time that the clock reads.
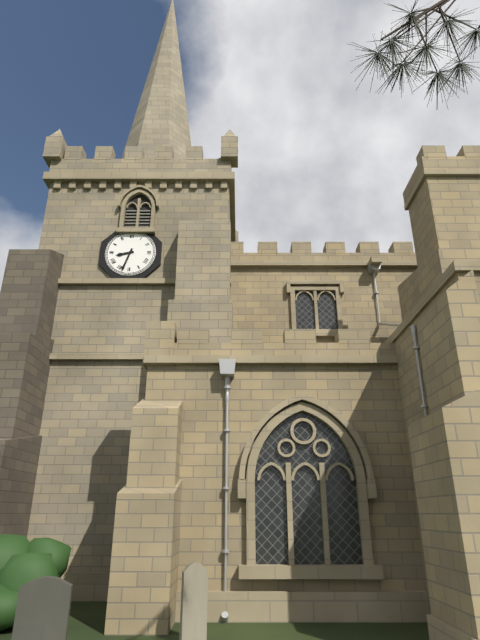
8:33
